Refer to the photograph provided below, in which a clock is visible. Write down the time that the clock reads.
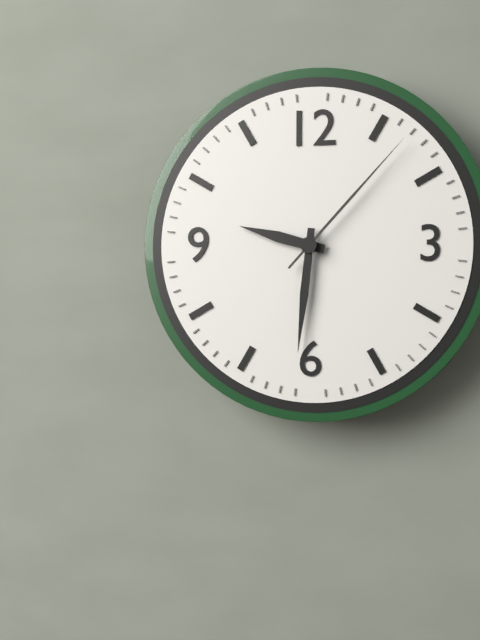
9:31:07
